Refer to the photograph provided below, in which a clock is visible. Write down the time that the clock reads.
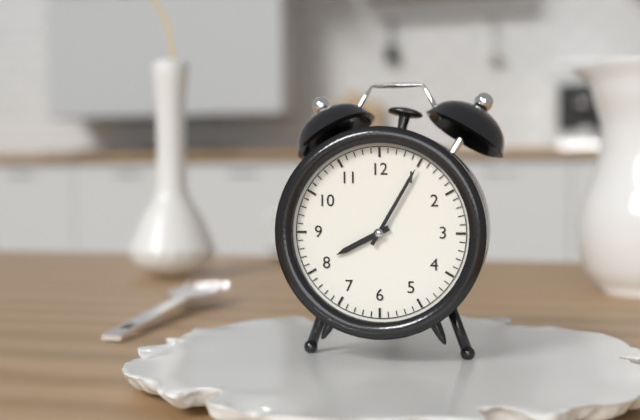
8:05
